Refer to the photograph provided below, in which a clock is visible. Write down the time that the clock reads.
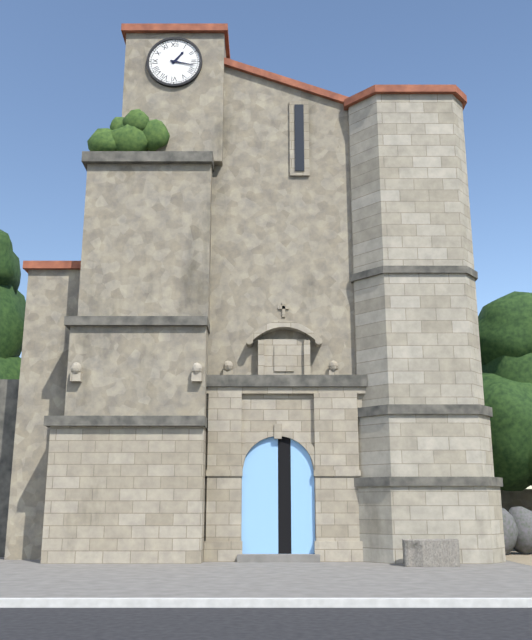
1:17
